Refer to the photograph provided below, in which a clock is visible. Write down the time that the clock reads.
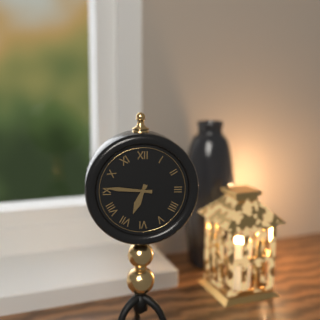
6:46
